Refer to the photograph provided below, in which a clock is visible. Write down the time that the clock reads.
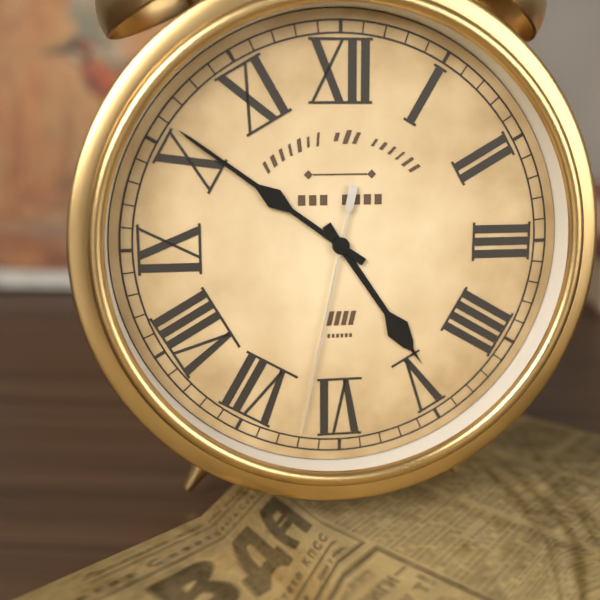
4:51:32
